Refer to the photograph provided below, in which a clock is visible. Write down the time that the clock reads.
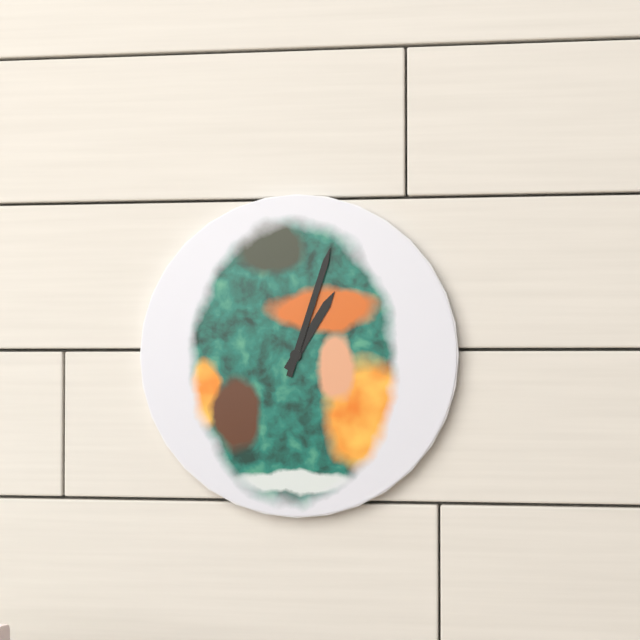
1:03
